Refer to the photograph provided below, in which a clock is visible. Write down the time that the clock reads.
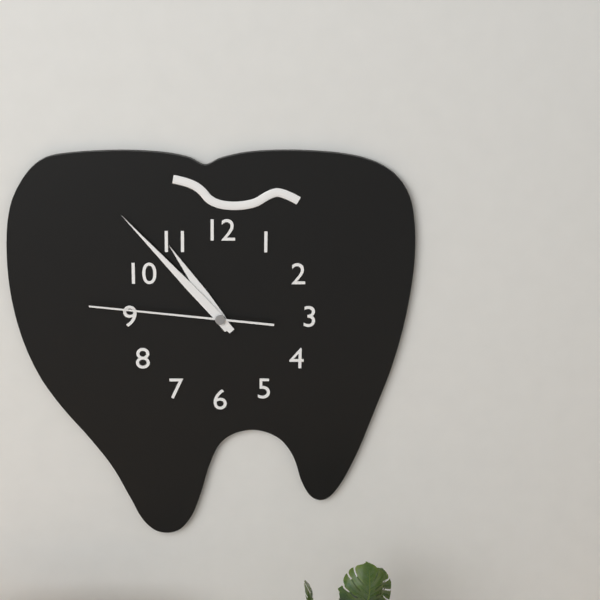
10:53:46
